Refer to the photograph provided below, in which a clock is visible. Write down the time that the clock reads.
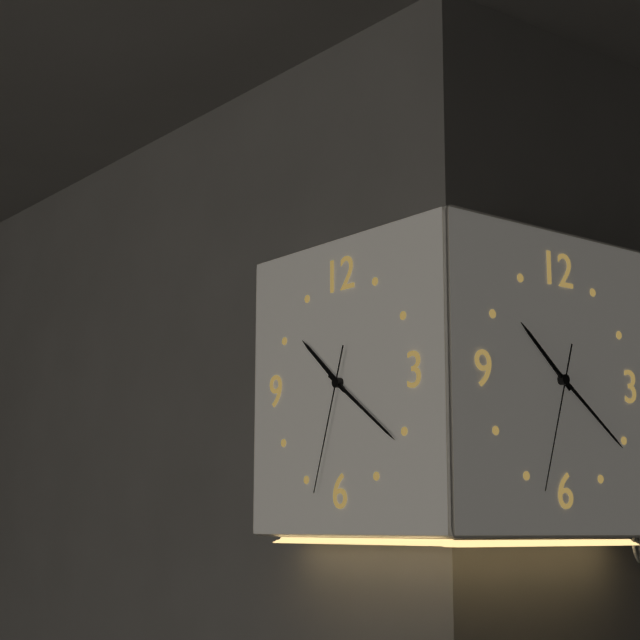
10:21:33
